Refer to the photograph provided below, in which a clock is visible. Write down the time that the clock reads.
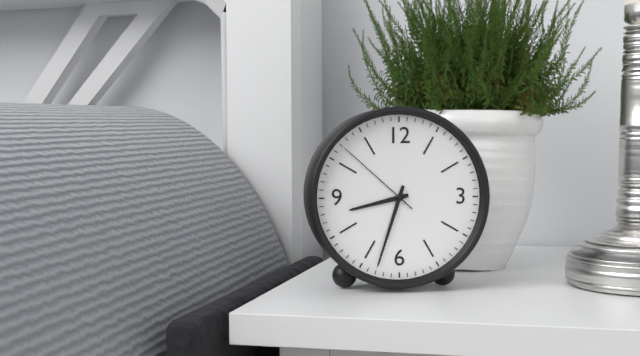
8:33:52
